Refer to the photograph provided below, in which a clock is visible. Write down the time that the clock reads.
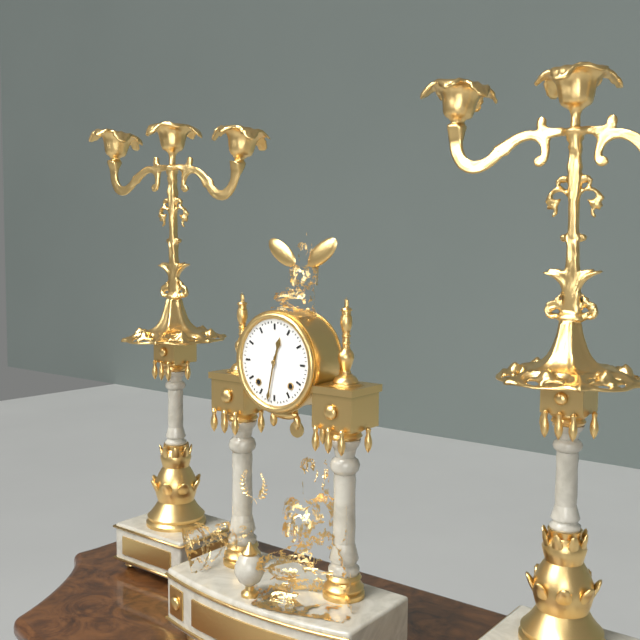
12:32
